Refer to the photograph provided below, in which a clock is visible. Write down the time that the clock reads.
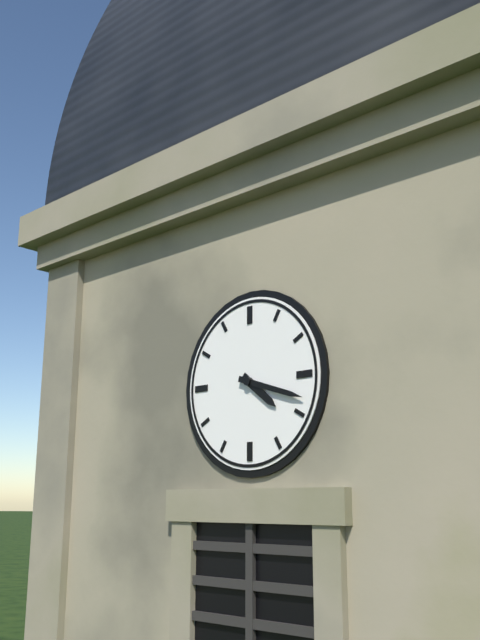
4:18
